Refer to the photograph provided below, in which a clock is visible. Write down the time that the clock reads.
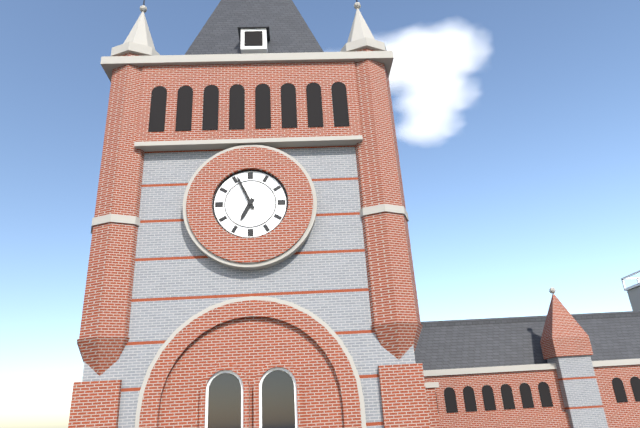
6:56
